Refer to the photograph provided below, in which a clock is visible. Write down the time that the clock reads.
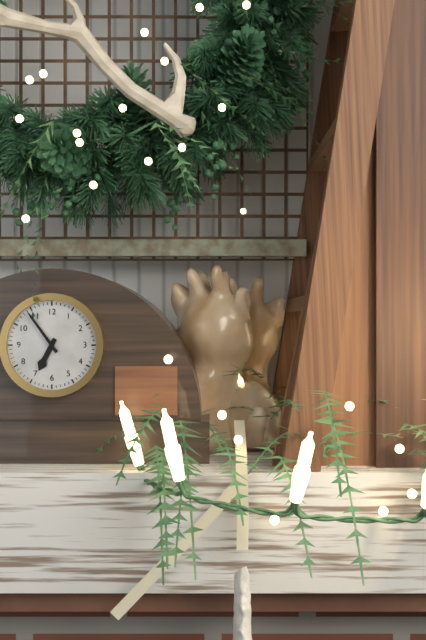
6:54
